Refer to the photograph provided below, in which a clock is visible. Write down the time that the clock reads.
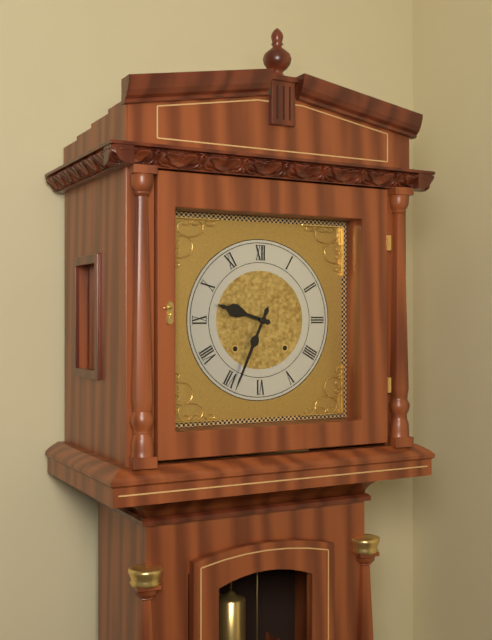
9:34
